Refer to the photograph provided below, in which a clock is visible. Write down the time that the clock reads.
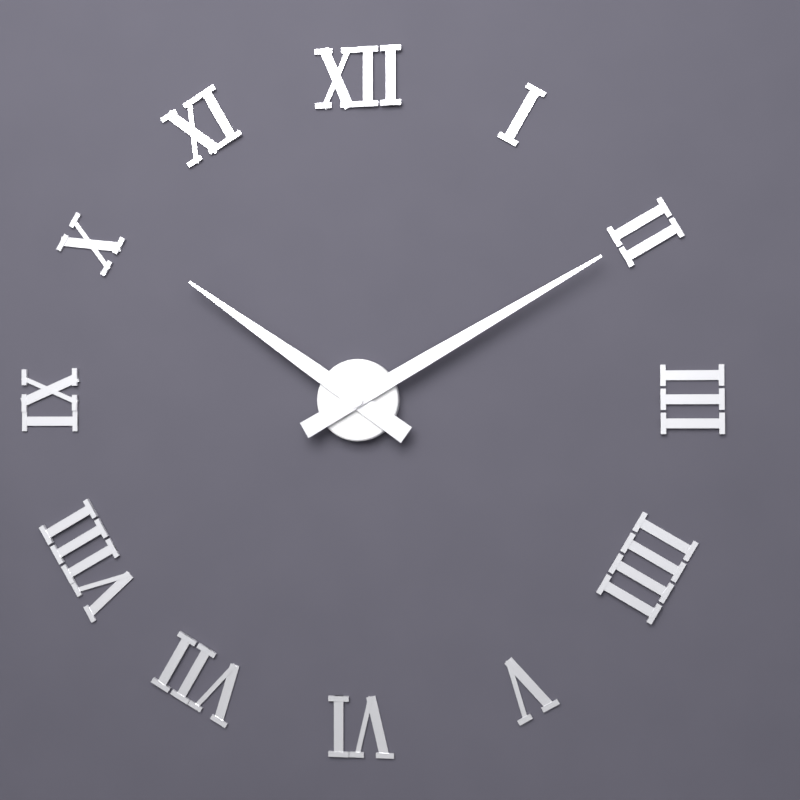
10:10
